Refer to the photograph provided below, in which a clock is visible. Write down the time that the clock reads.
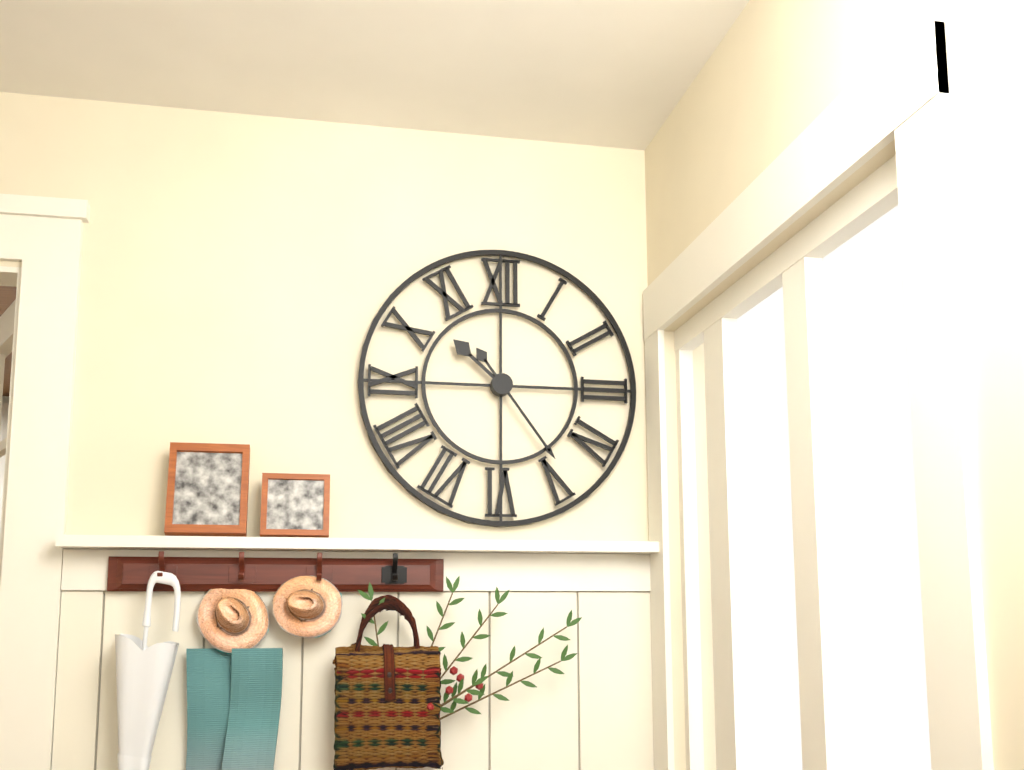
10:24
